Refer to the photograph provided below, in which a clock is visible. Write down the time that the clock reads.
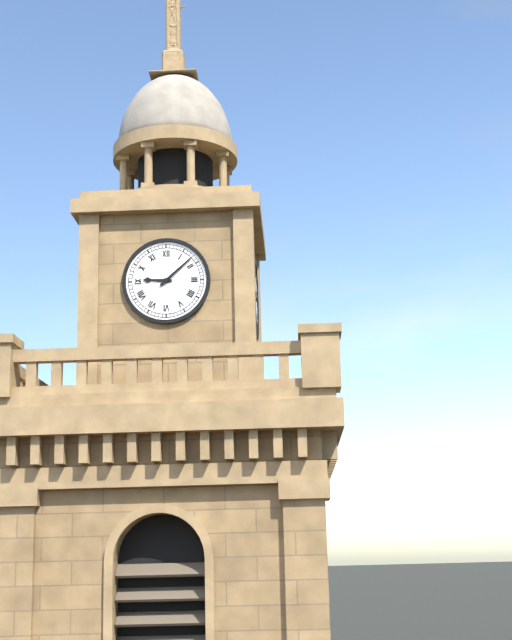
9:08
